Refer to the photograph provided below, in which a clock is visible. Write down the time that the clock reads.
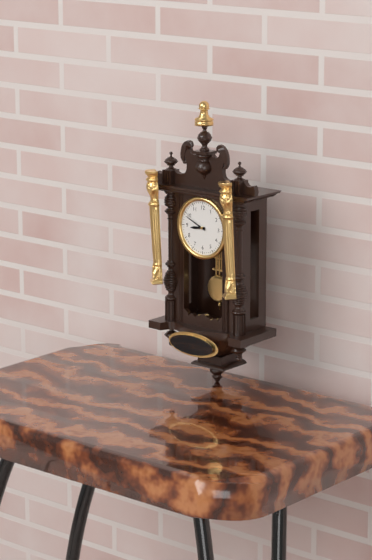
8:49
